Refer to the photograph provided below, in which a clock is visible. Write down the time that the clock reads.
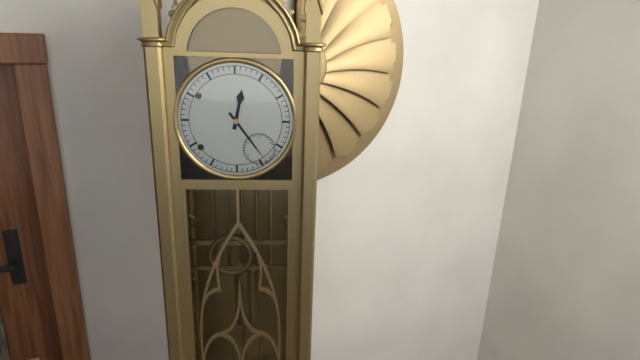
12:24
